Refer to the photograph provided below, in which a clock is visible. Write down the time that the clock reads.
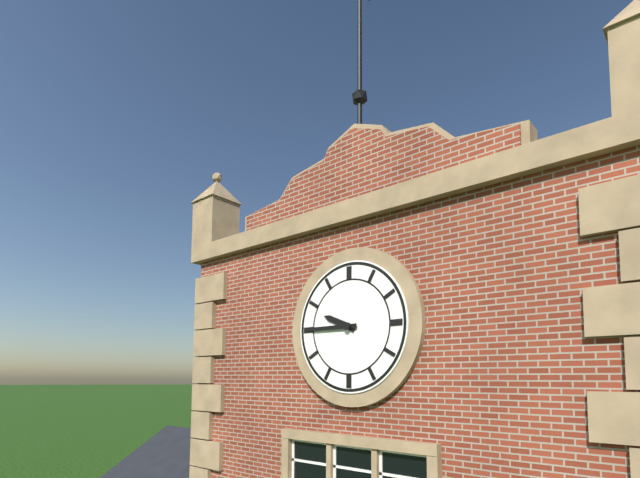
9:45
